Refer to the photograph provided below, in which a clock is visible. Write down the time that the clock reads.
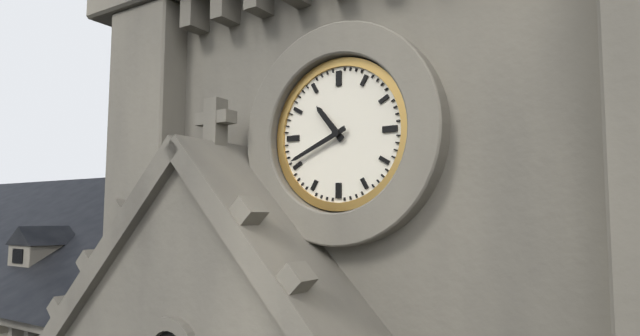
10:41
